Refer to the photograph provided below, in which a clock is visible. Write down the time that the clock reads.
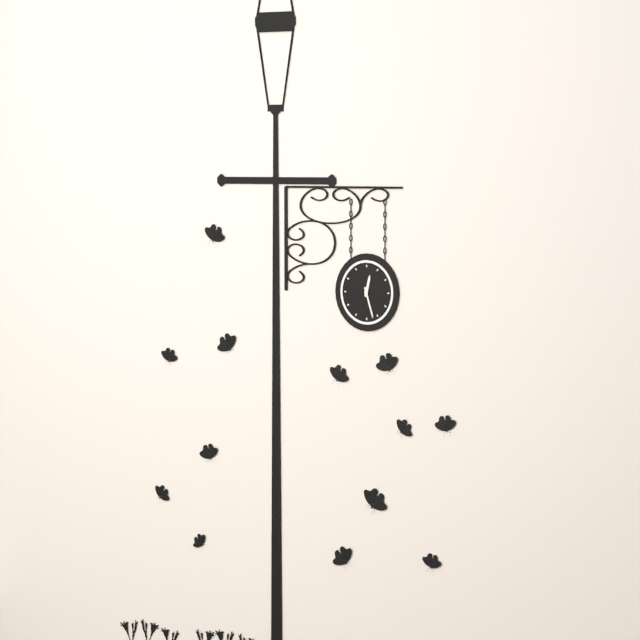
12:27
